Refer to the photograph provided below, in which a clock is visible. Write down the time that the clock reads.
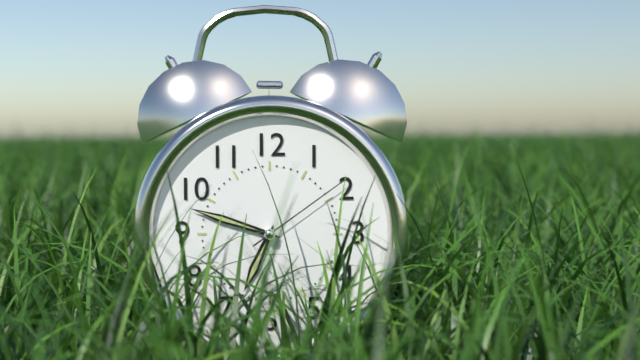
6:48:09
